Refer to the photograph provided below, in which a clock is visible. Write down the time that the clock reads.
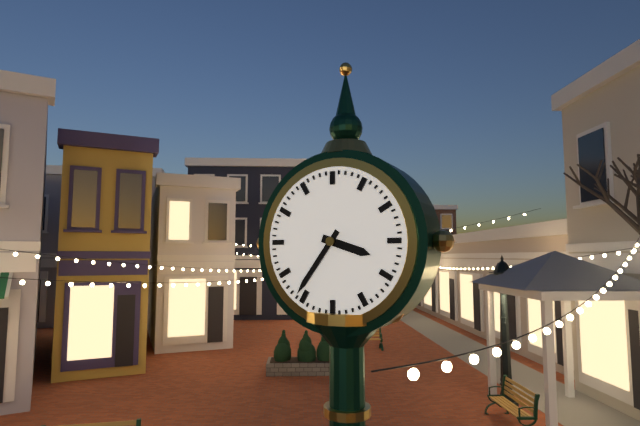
3:36
